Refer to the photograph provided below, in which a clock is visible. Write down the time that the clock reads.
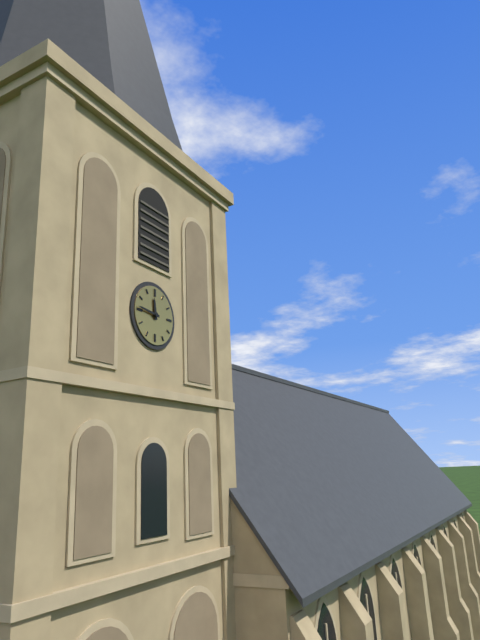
11:46
